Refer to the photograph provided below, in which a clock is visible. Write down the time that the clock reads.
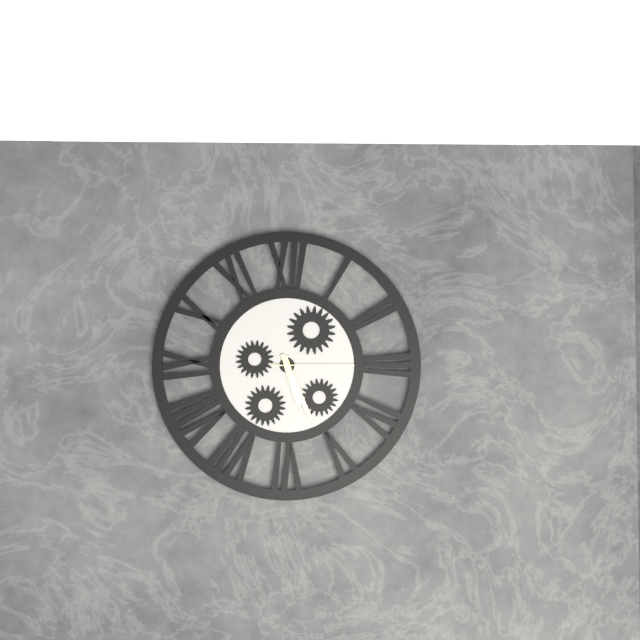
5:26:15
